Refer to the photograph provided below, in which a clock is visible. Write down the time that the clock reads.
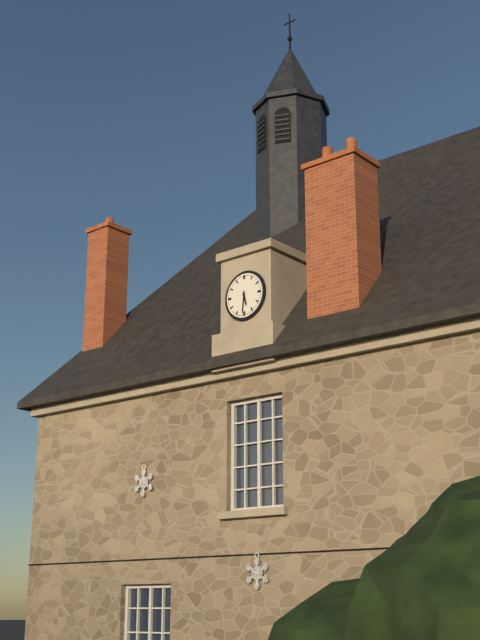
5:31
